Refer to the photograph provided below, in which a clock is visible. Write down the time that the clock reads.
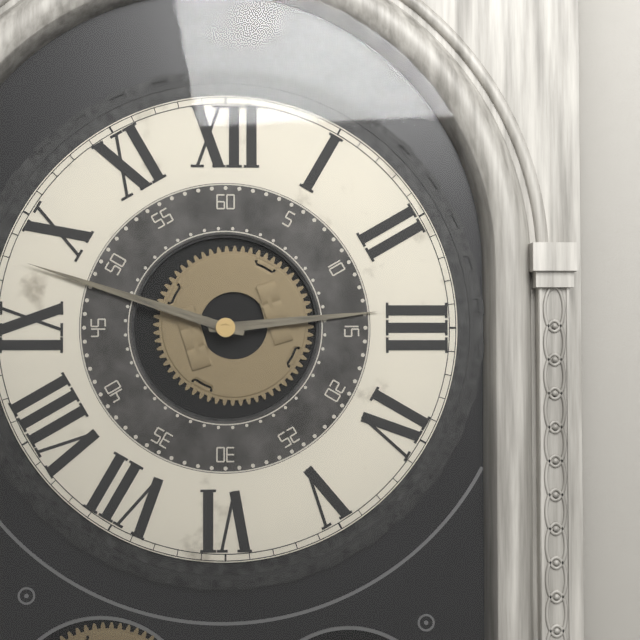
2:48
